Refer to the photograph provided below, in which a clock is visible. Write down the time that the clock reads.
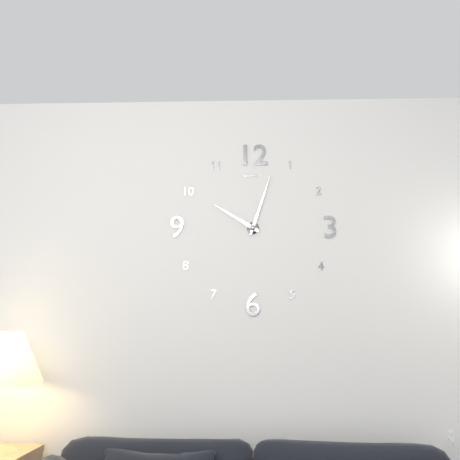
10:03
